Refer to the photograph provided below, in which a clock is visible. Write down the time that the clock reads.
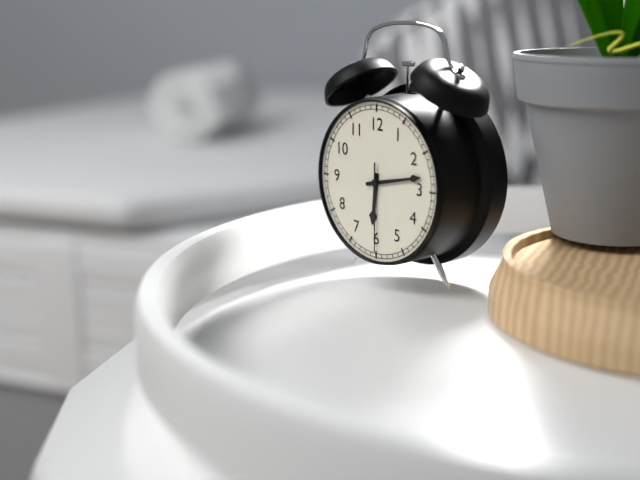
6:13:30
